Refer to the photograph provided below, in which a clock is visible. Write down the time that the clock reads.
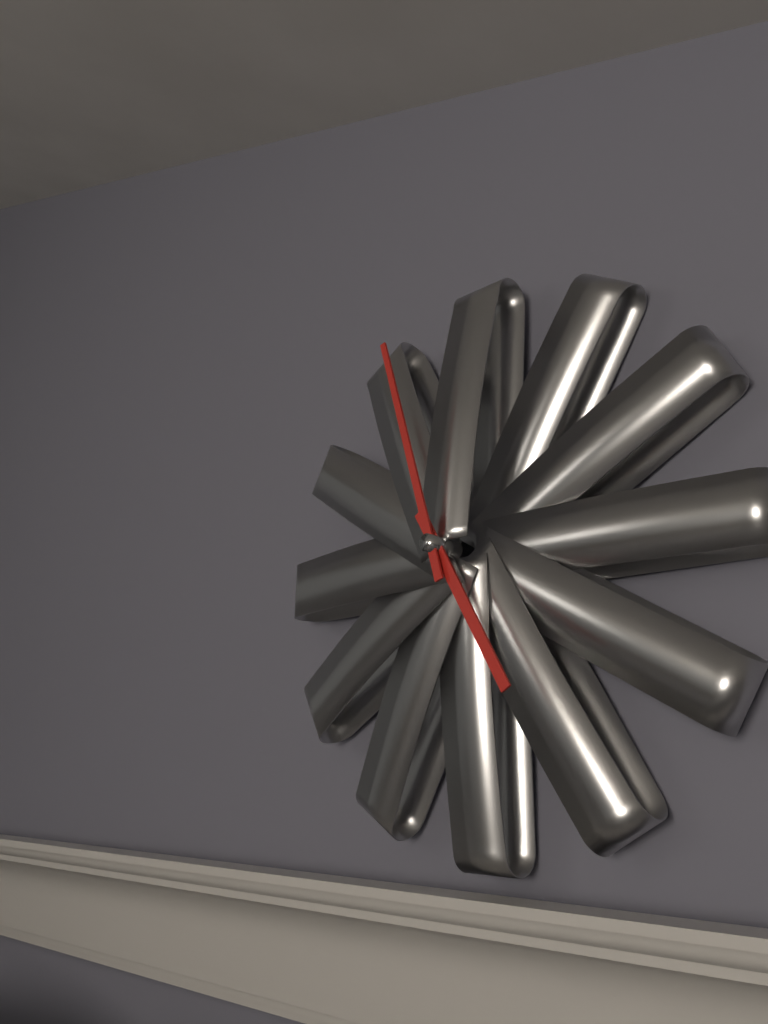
4:57
